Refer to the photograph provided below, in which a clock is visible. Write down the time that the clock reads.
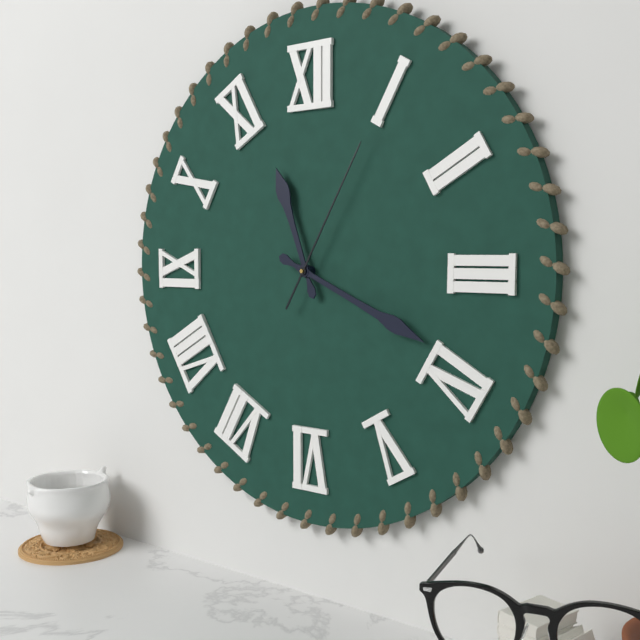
11:19:05
